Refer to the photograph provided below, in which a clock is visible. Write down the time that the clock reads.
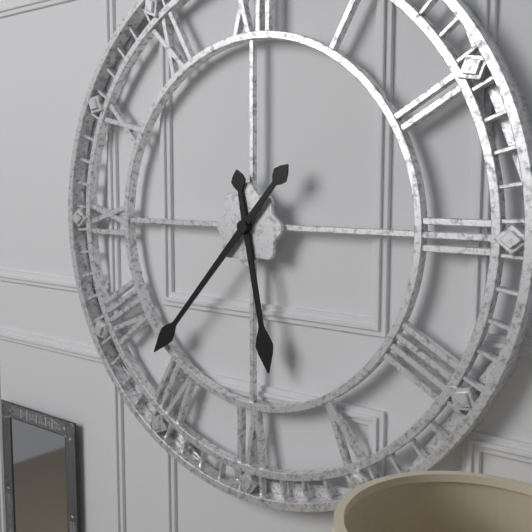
5:37
